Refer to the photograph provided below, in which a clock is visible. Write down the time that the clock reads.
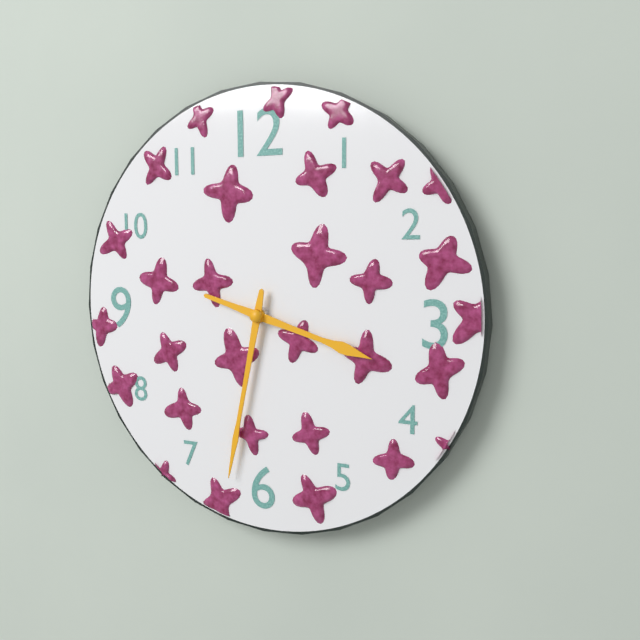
3:32
